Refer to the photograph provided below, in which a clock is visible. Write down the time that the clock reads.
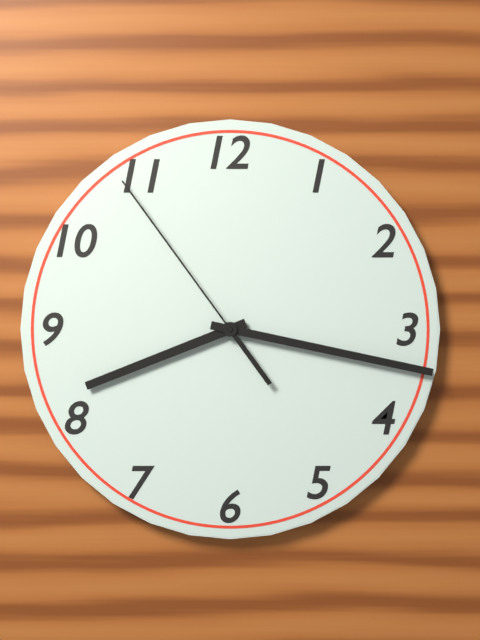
8:17:54
